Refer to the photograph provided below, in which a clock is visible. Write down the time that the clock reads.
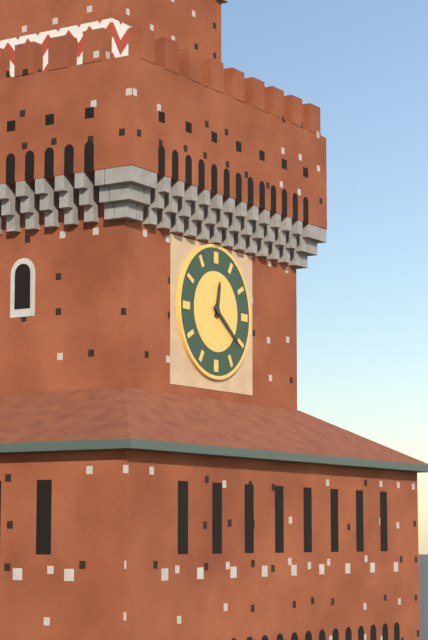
12:21
